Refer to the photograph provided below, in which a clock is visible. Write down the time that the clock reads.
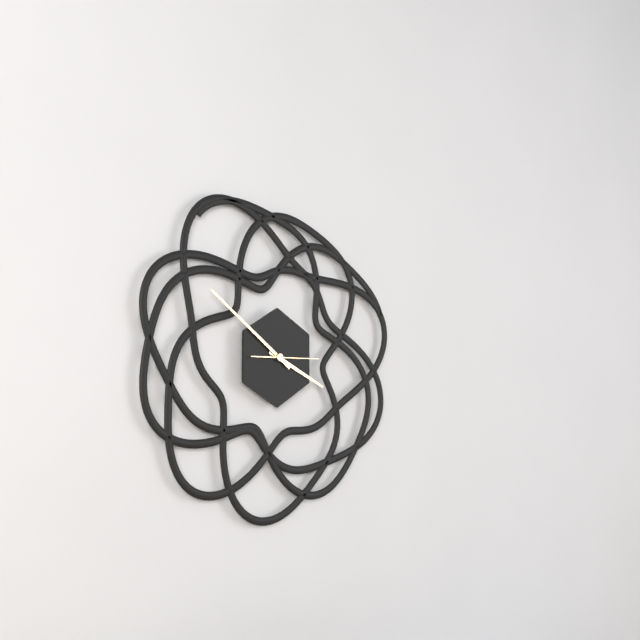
3:51
